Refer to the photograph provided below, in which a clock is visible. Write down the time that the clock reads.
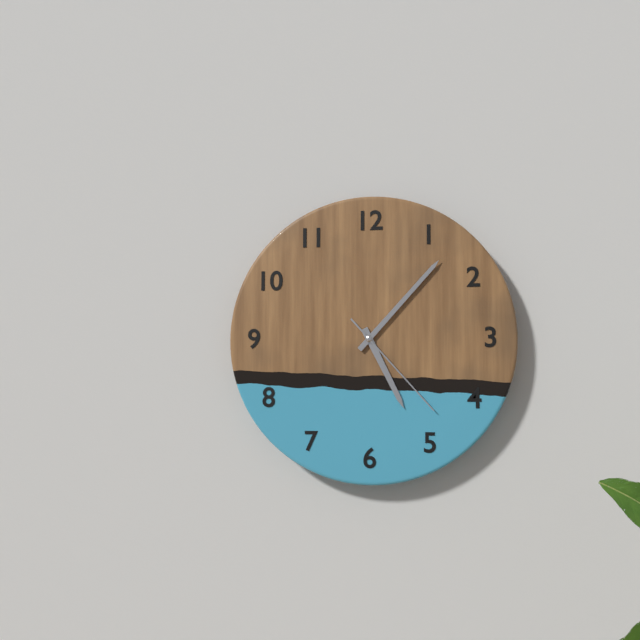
5:07:23
